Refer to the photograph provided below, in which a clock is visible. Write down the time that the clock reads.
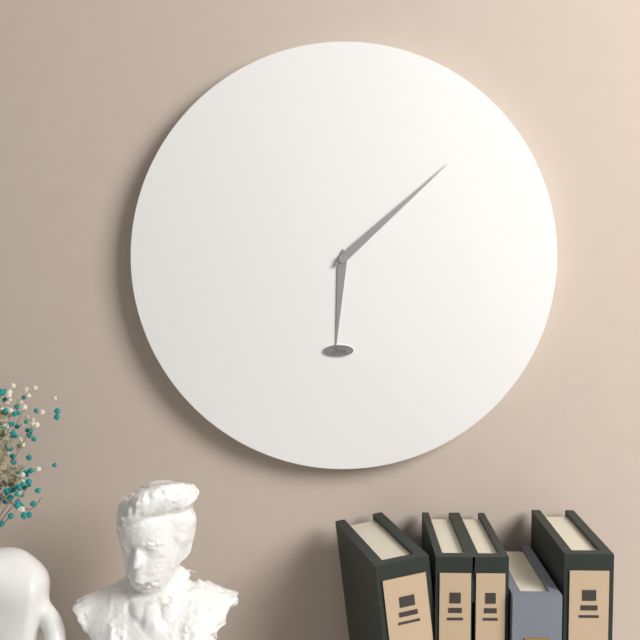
6:08
